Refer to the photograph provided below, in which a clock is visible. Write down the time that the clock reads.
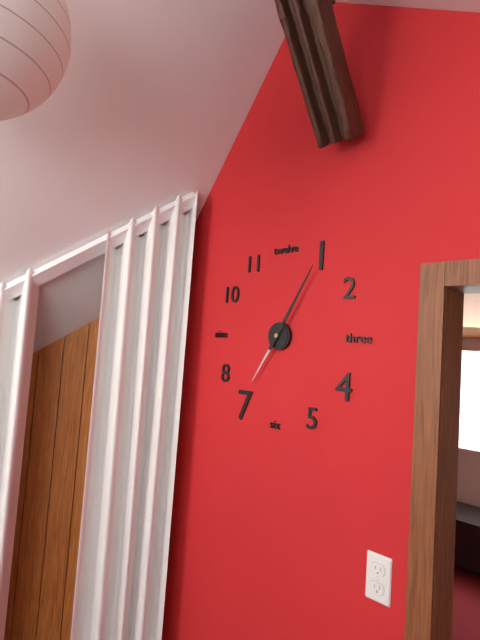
7:05
